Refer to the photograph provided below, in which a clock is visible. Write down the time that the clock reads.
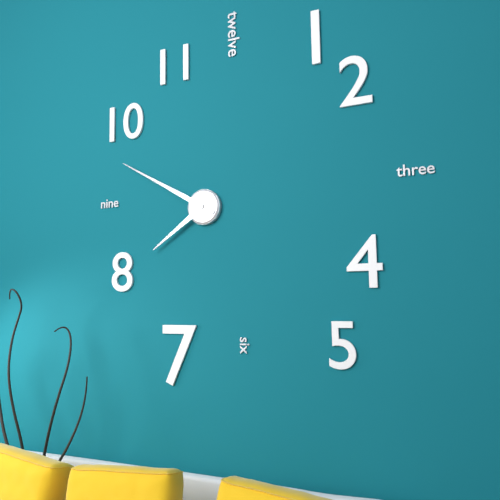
7:50
